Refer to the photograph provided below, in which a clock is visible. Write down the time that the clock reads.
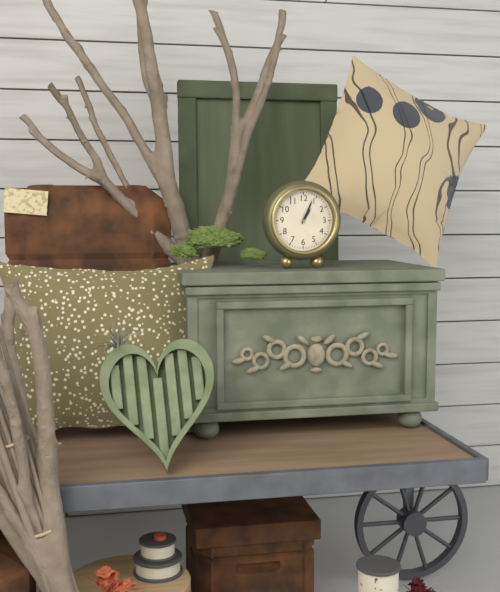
1:04
